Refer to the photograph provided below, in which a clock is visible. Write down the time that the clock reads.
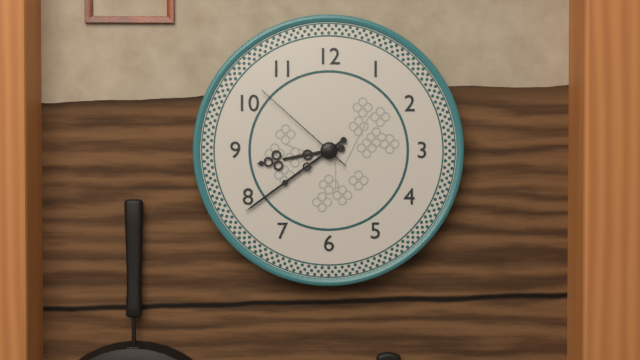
8:39:52
